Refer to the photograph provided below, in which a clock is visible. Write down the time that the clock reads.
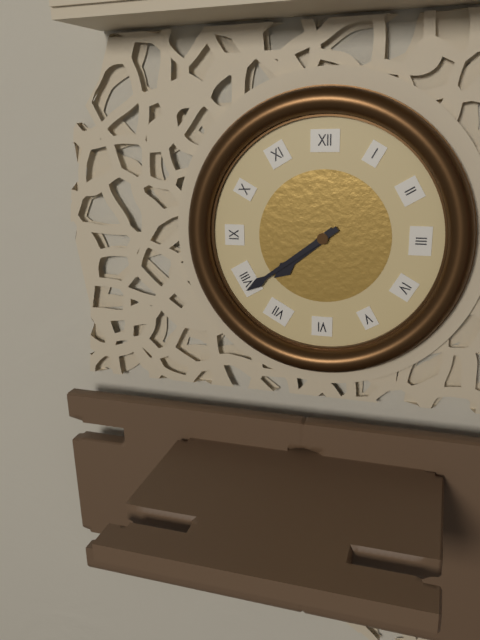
7:39
